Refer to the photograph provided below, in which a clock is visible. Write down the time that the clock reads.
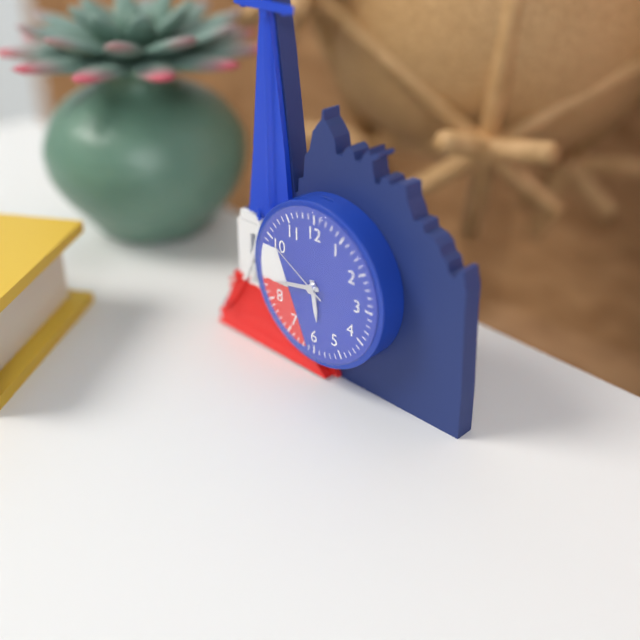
5:43:50
